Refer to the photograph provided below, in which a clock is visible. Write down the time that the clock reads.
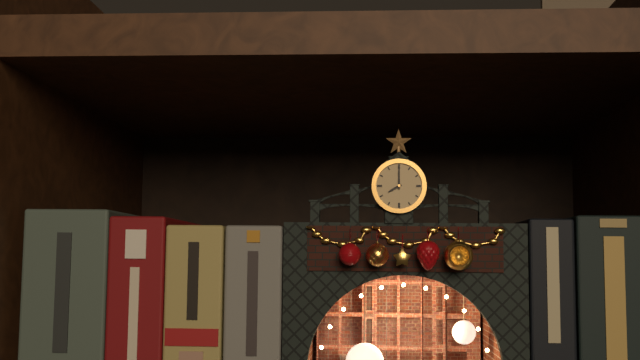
8:00
